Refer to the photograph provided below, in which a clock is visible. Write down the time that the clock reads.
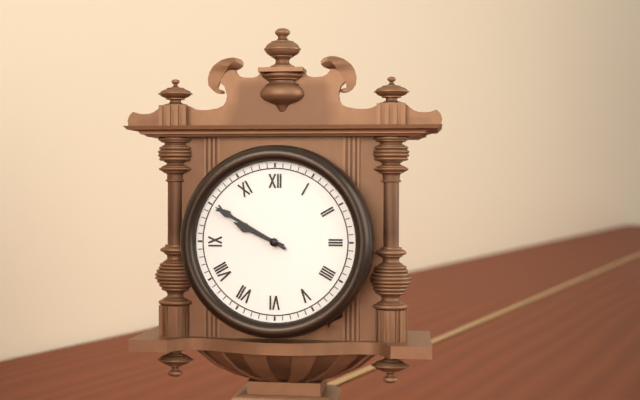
9:50
